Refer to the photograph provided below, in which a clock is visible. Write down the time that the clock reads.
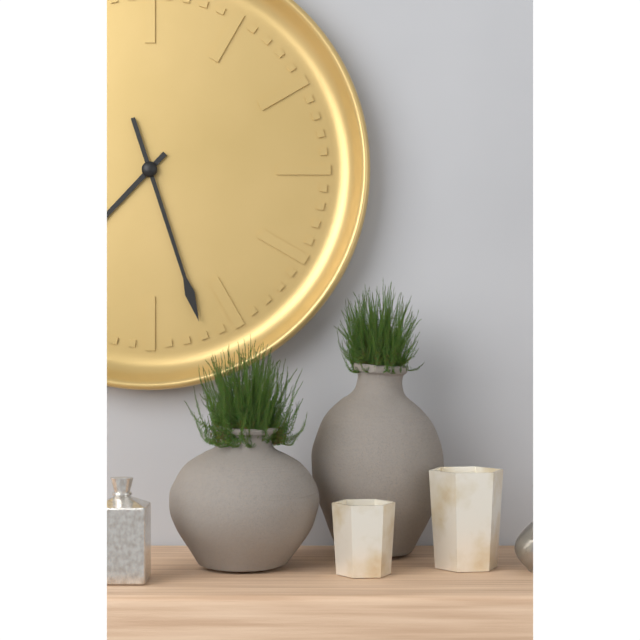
7:27
